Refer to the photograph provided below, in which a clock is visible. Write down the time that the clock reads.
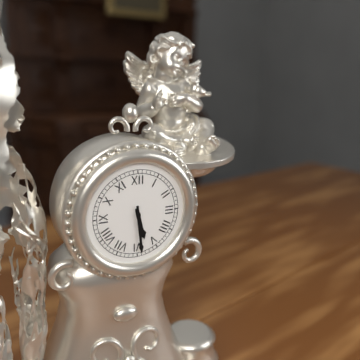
5:29
